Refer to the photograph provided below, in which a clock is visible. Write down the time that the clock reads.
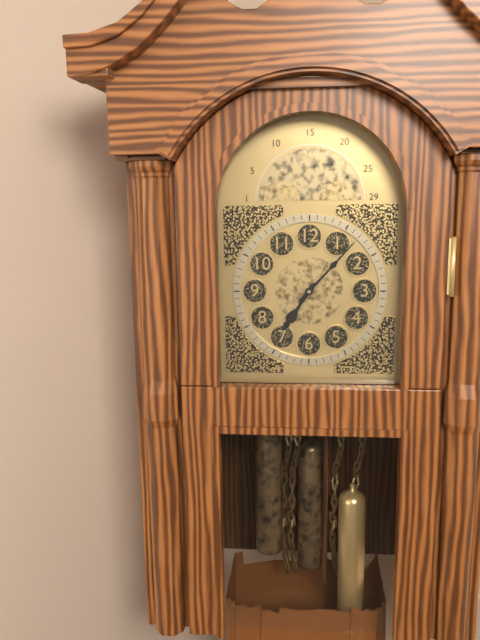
7:07
